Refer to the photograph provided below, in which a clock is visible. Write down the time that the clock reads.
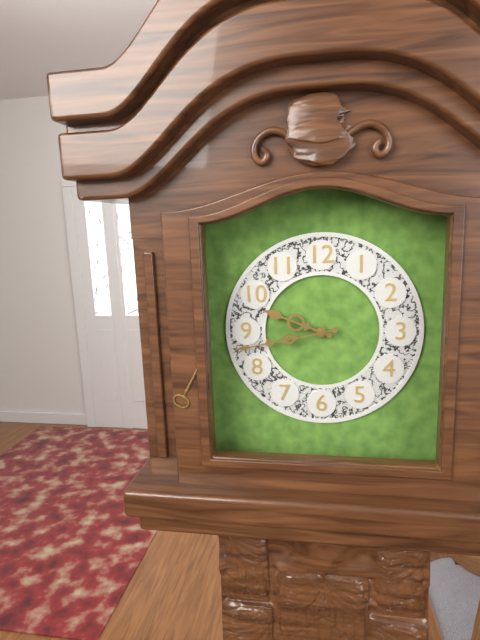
9:43
